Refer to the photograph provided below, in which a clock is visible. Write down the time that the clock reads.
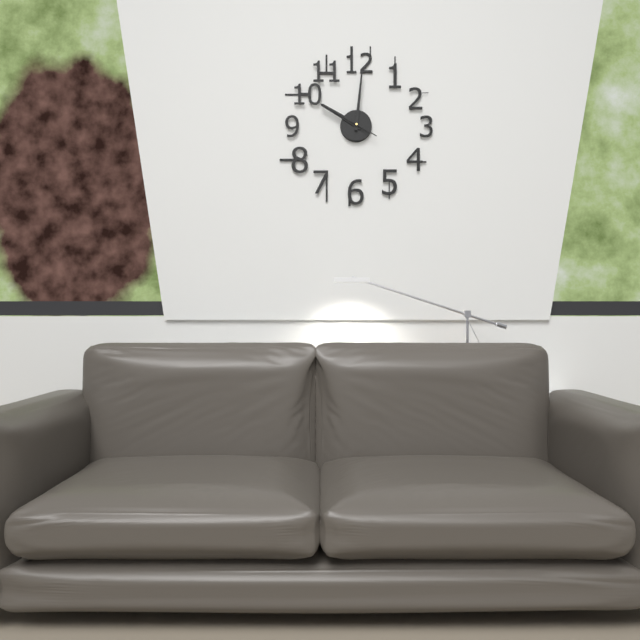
10:01:50
